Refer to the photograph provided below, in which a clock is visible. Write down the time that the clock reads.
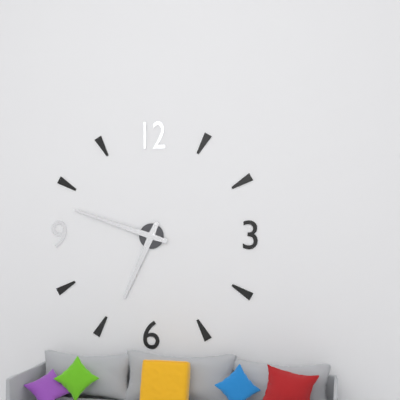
6:48
